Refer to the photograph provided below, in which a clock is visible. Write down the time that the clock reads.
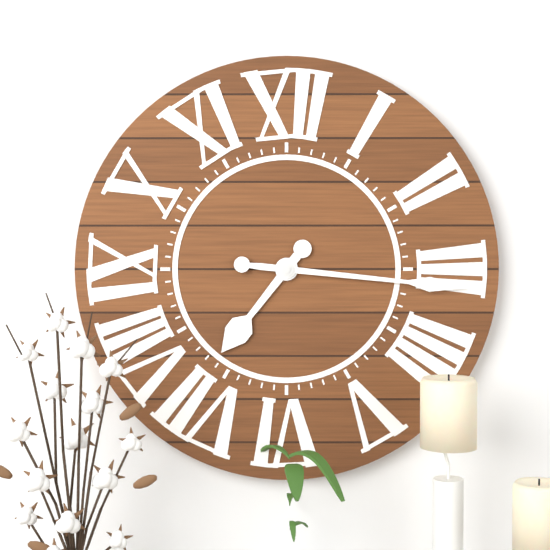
7:16
